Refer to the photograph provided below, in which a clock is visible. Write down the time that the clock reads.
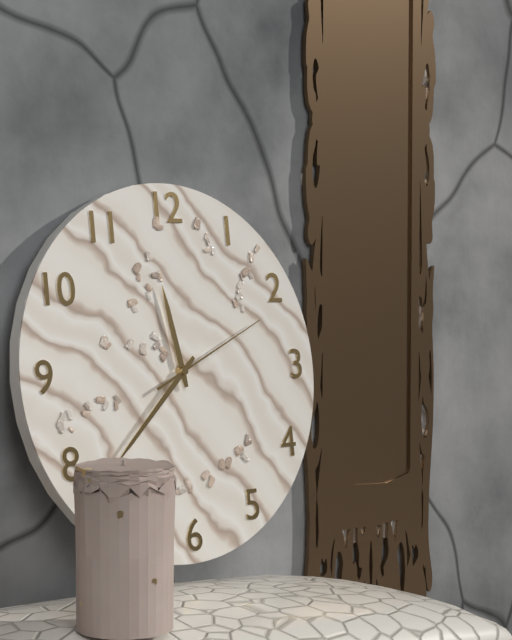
11:38:11
